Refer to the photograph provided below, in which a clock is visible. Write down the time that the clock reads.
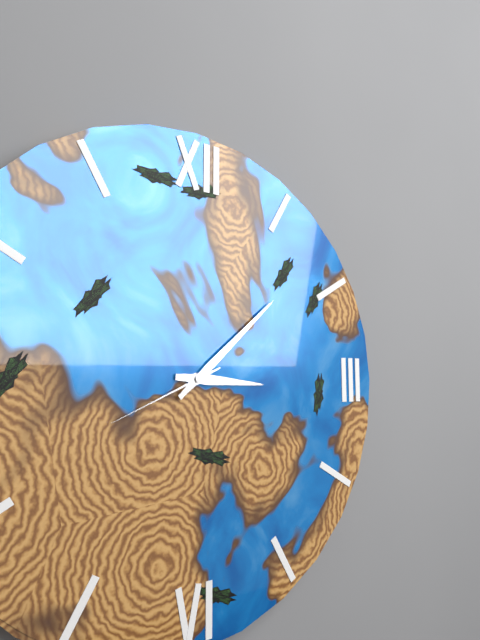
3:08:41
